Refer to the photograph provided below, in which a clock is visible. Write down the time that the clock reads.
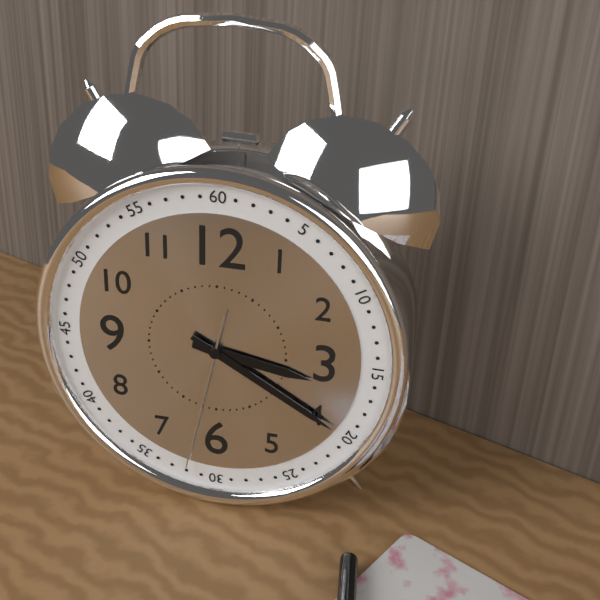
3:20:32
